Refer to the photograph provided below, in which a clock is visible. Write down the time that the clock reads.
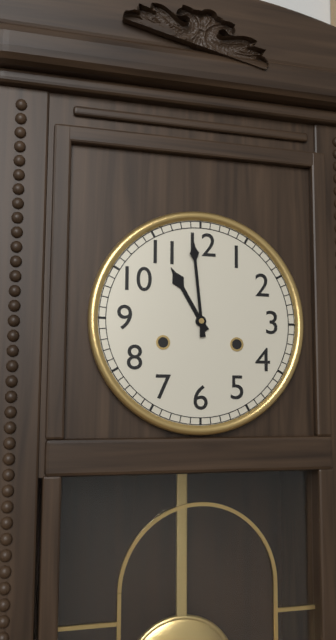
10:59
